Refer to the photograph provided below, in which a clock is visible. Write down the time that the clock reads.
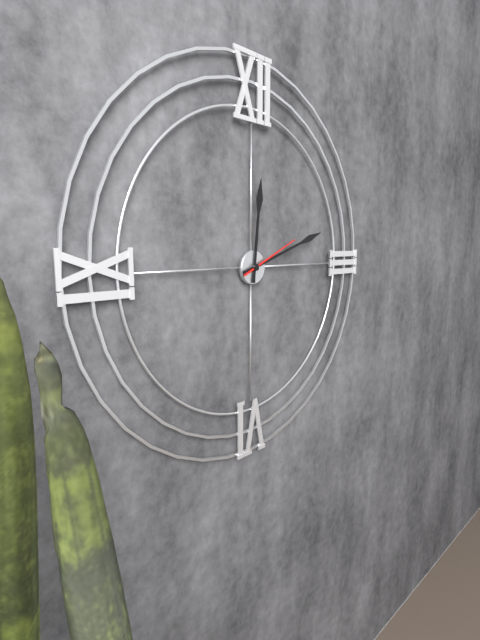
12:12:11
